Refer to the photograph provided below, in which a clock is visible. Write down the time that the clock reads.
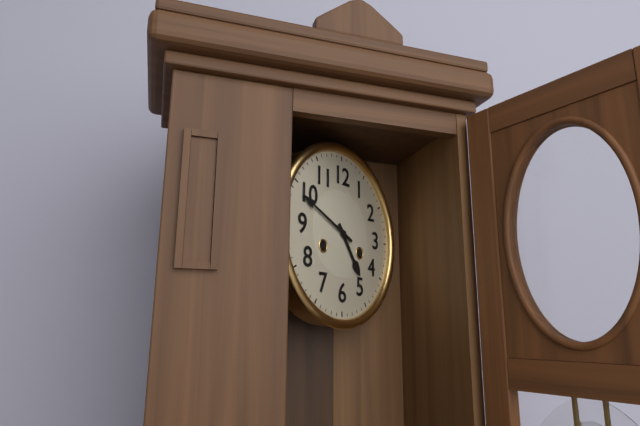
4:49
